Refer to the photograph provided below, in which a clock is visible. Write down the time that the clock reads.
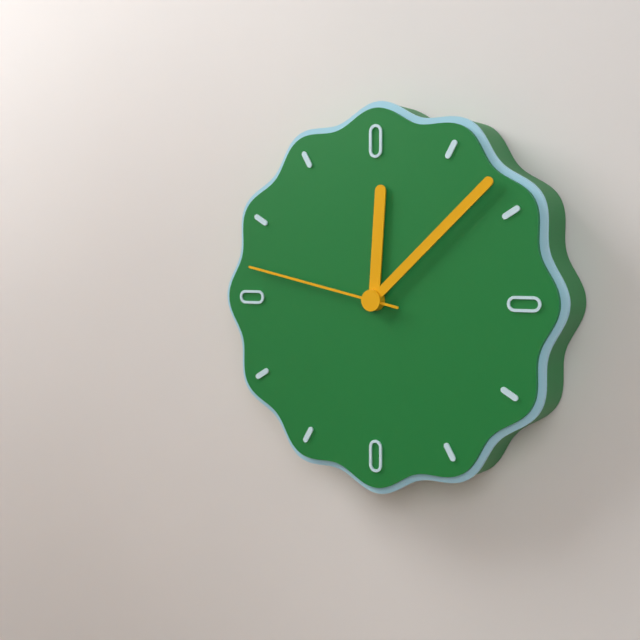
12:08:47
